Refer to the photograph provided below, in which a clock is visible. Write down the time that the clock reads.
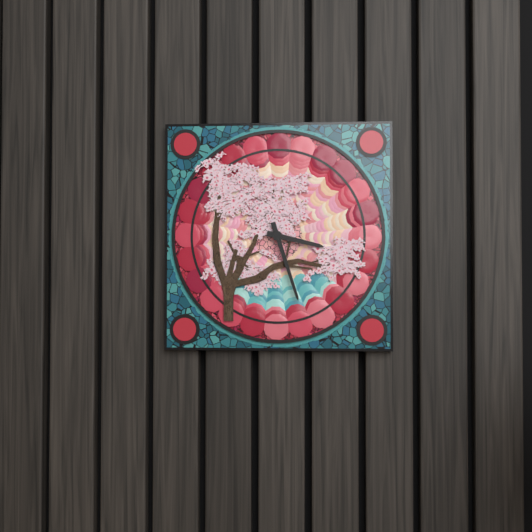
3:27
